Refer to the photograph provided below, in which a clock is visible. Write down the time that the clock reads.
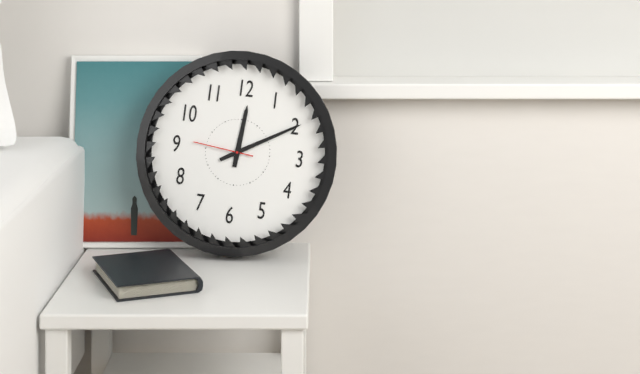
12:10:46
